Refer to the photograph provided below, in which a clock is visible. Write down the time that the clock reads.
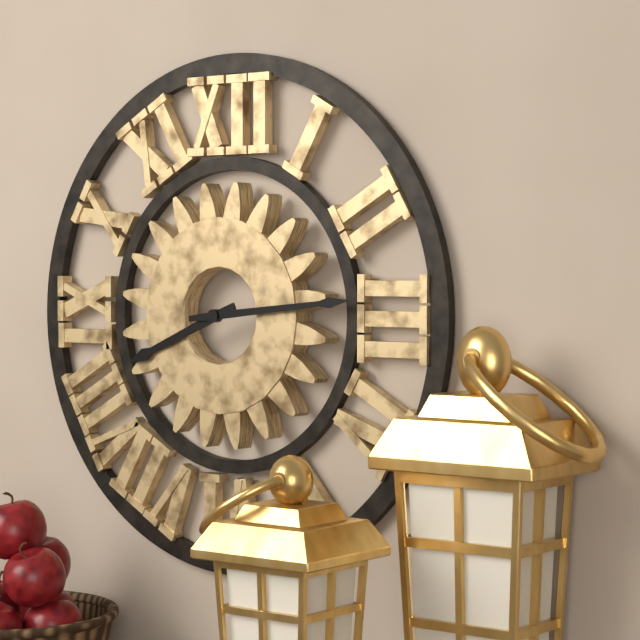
8:14
